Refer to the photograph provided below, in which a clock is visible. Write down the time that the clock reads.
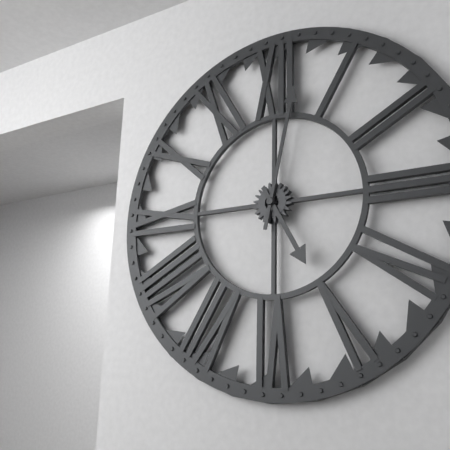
5:02
